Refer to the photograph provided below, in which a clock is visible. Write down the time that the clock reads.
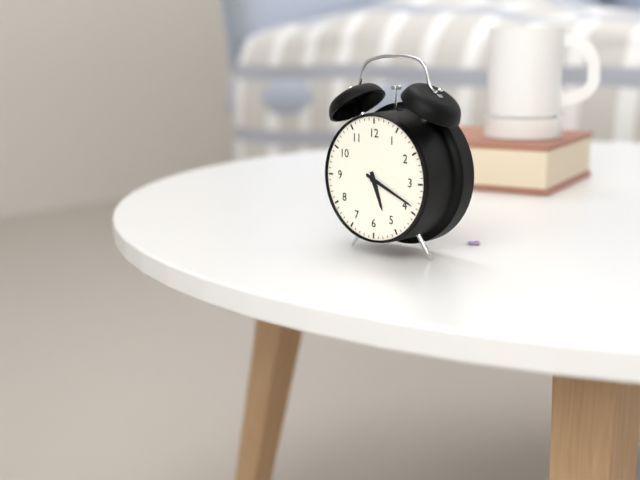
5:19
